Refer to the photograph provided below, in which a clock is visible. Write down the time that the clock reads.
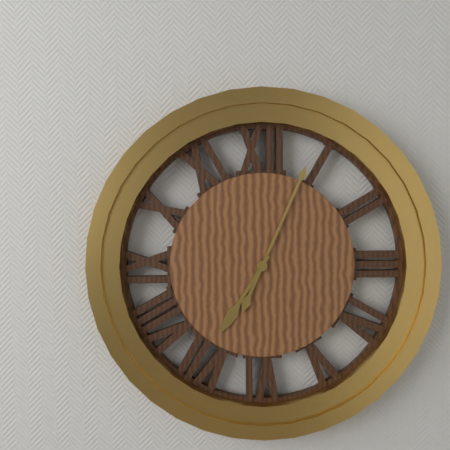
7:04
